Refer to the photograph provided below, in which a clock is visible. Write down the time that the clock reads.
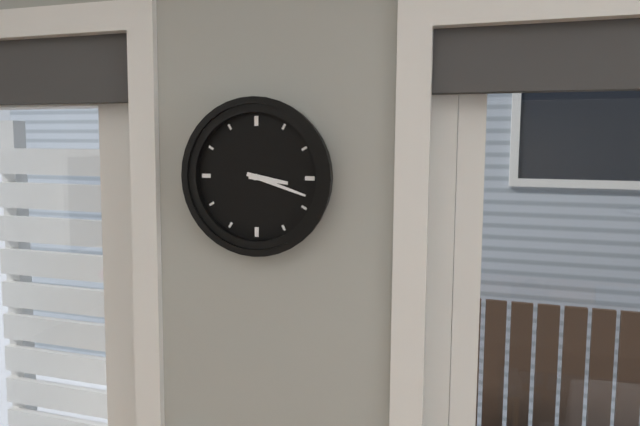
3:18
